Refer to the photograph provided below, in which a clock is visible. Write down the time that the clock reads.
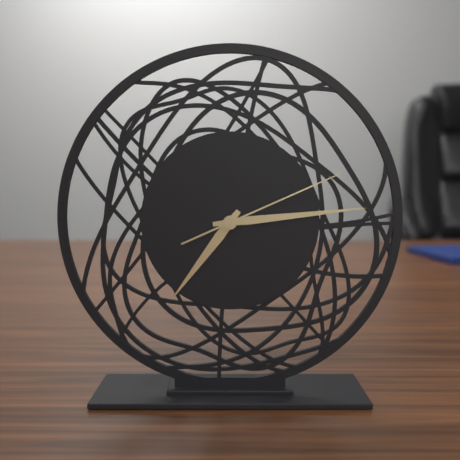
7:14:11
